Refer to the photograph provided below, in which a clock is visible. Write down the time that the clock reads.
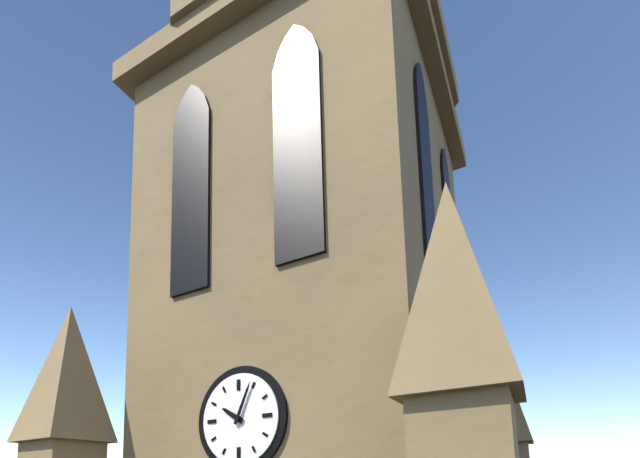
10:04
